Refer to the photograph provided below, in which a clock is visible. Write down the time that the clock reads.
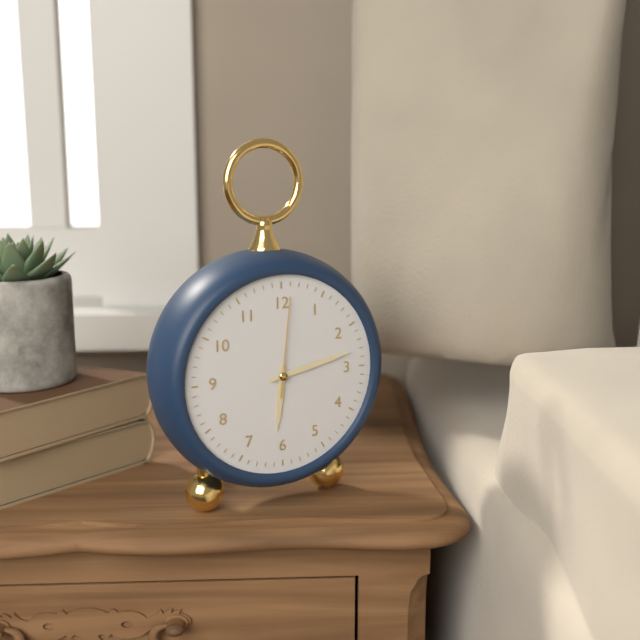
6:13:01
